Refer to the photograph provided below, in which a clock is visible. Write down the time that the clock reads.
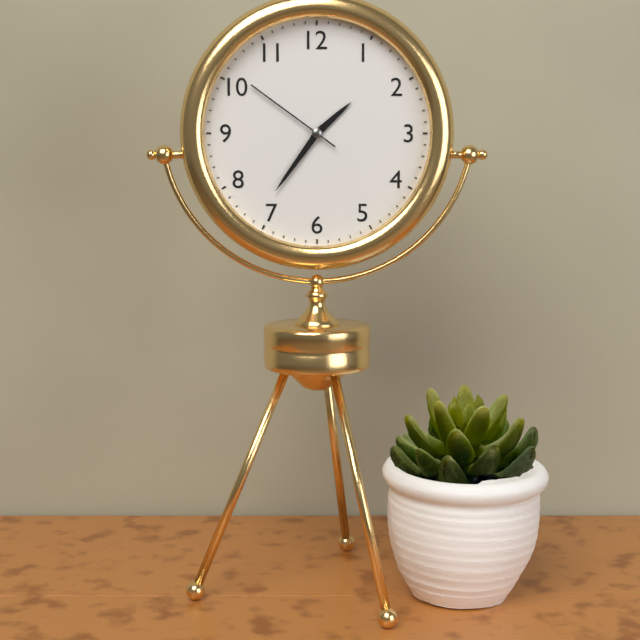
1:36:51
